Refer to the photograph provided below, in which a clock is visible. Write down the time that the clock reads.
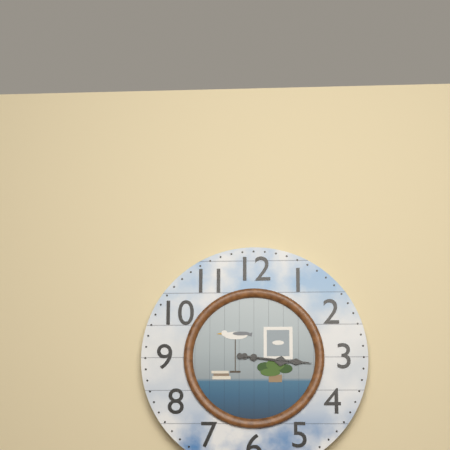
3:16
